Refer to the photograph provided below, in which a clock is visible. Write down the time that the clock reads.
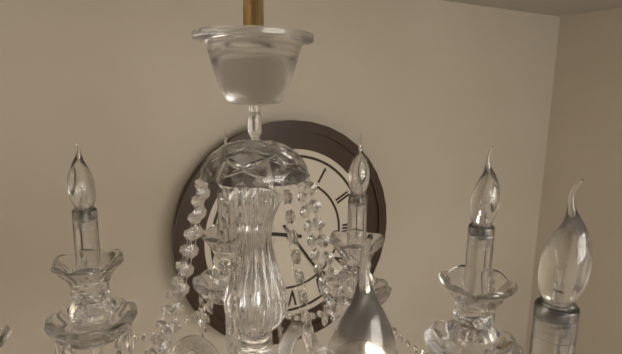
9:24
